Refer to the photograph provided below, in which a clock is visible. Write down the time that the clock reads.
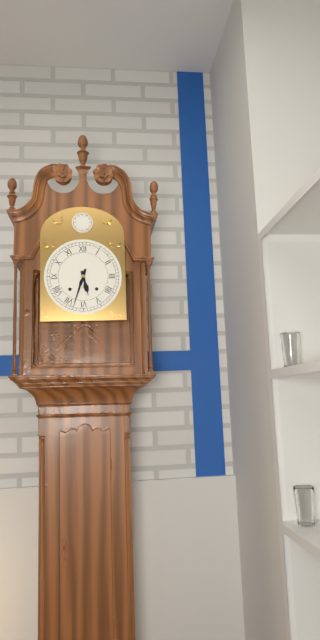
5:33
